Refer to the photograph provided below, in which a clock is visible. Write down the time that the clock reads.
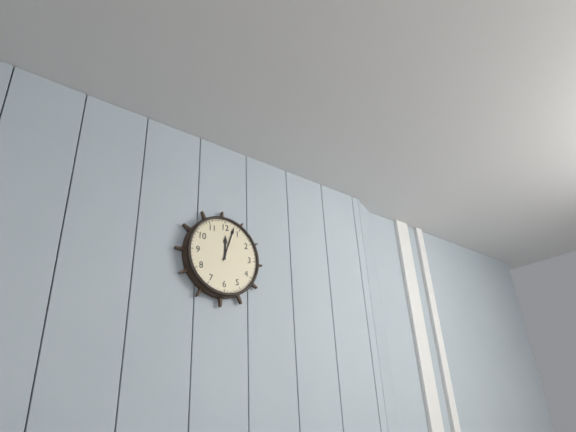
12:03
